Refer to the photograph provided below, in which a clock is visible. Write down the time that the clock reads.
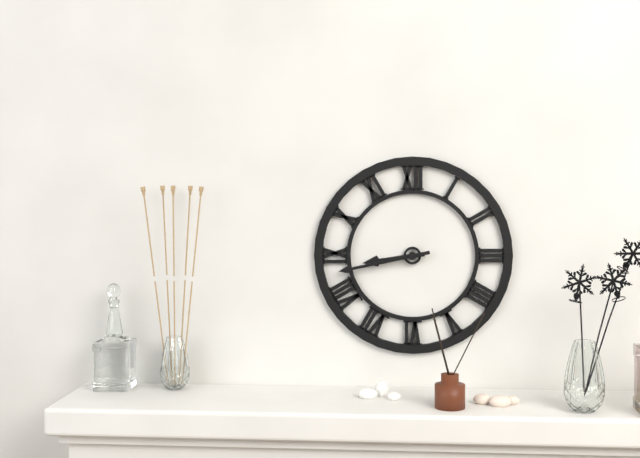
8:43
